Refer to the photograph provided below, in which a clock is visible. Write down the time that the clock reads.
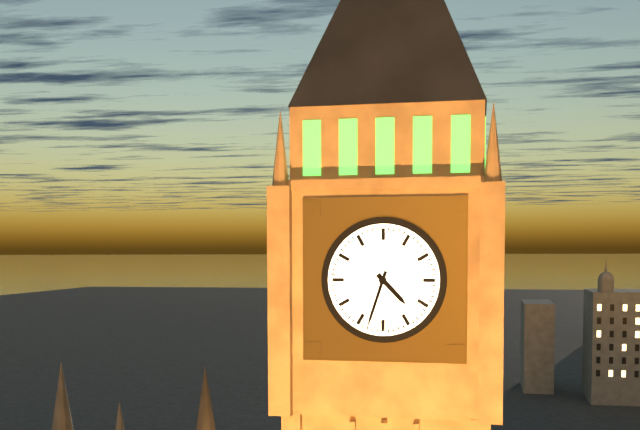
4:33
